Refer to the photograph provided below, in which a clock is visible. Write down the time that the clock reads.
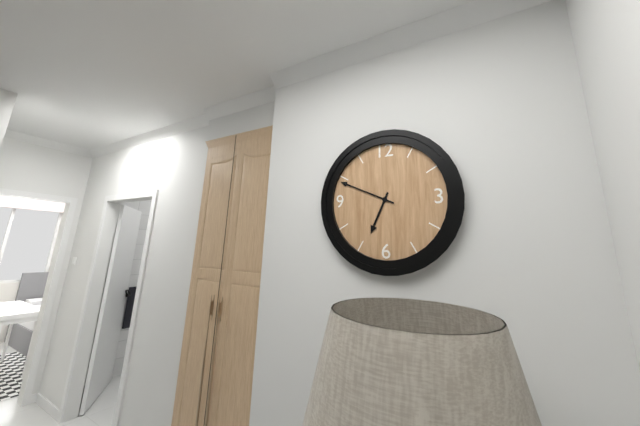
6:49
